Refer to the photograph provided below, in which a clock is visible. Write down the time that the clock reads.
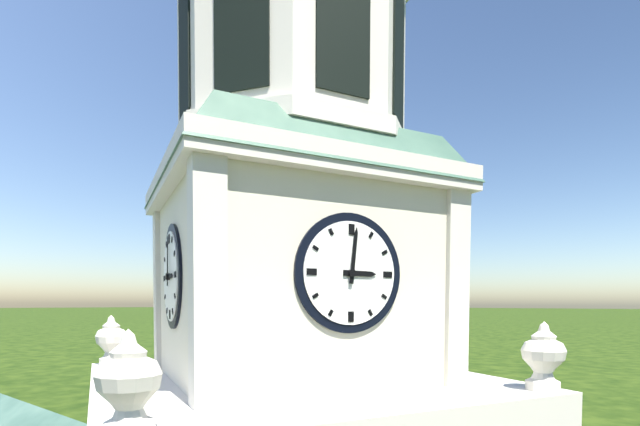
3:01
